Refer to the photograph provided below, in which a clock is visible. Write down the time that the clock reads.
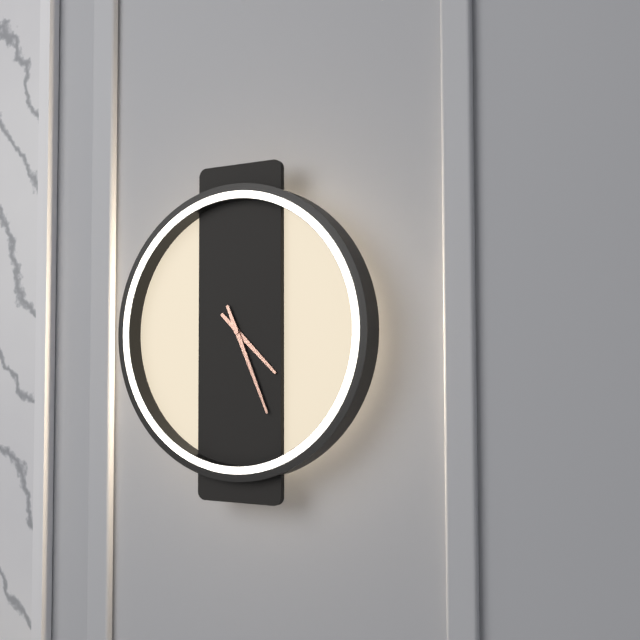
4:26
